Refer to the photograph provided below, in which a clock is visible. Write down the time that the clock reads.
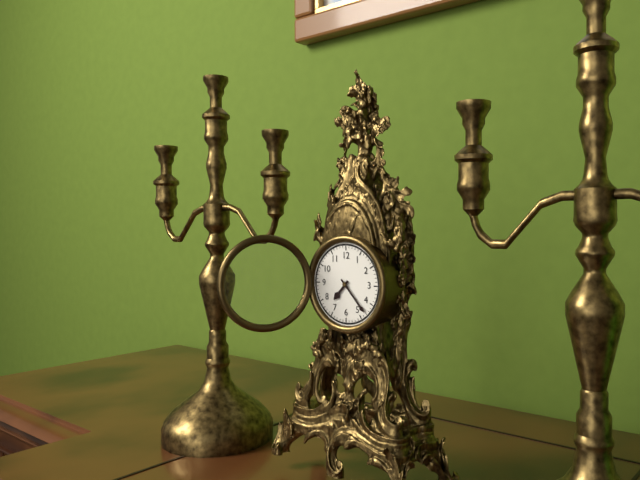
7:23
